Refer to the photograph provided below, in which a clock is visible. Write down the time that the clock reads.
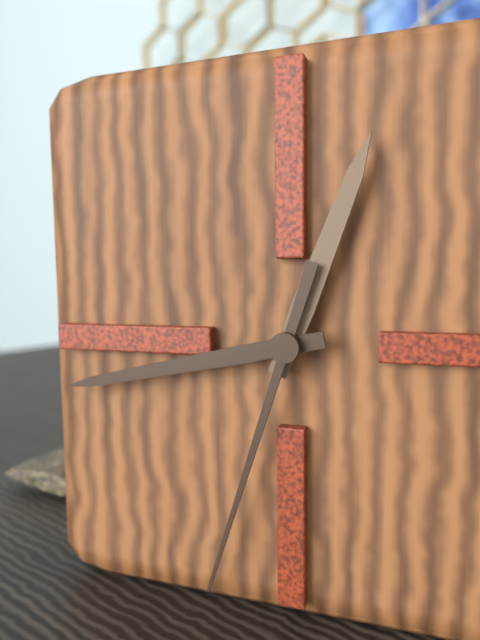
12:43:33
